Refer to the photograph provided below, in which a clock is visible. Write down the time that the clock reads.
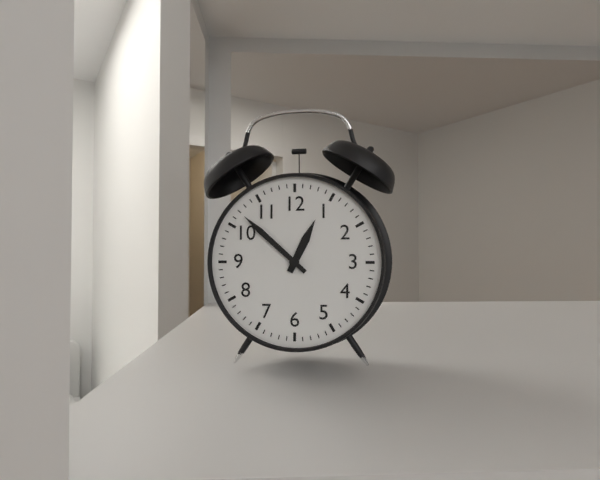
12:52
